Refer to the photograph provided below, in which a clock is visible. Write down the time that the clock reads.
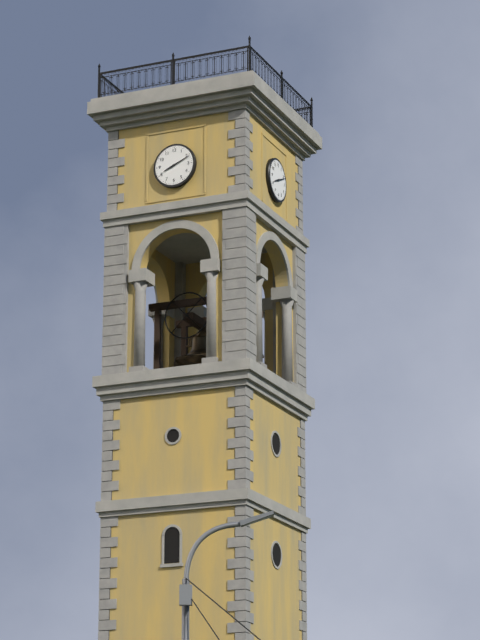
8:11
